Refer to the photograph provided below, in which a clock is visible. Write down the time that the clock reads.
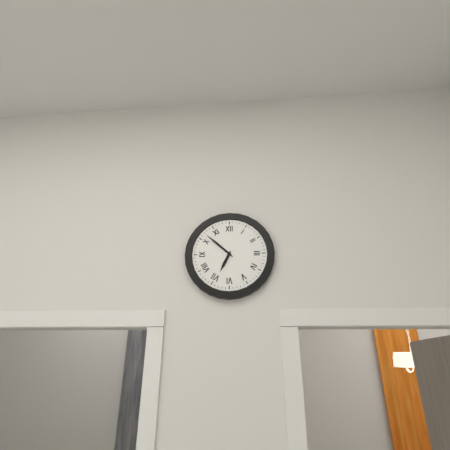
6:52
